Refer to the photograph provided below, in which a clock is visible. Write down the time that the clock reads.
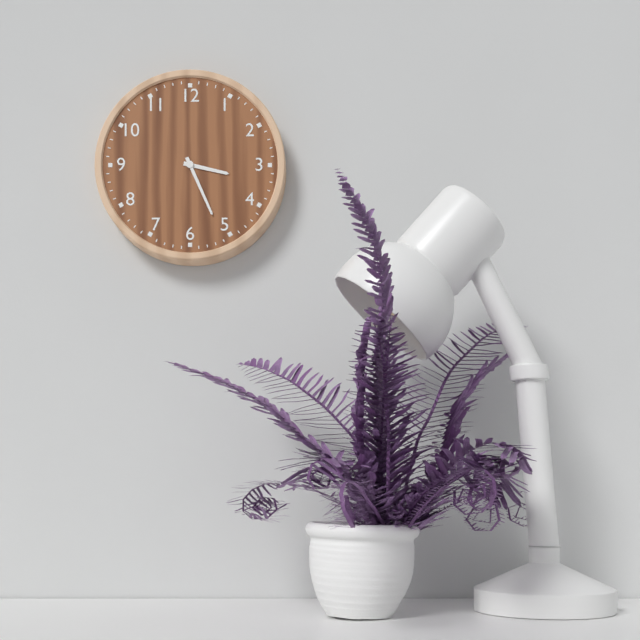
3:26
